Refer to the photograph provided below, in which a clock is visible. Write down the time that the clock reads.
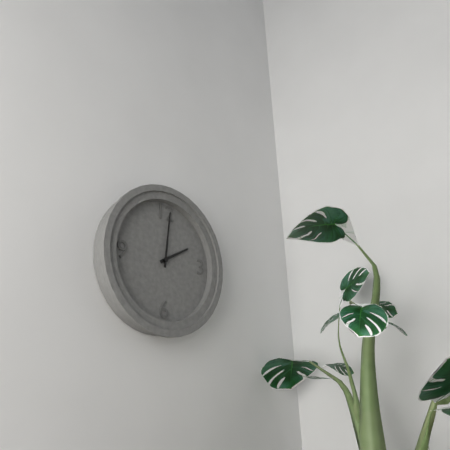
2:01
